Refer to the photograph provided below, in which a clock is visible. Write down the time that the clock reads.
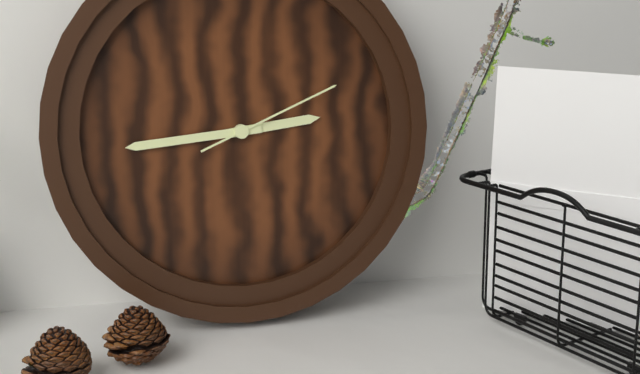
2:44:11
